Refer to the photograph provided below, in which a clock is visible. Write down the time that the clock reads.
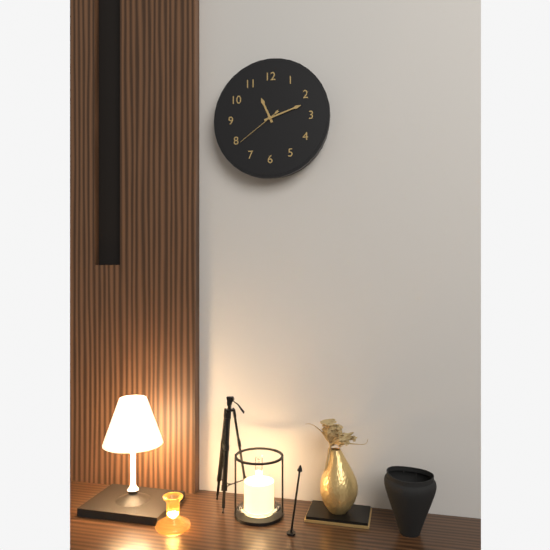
11:12
